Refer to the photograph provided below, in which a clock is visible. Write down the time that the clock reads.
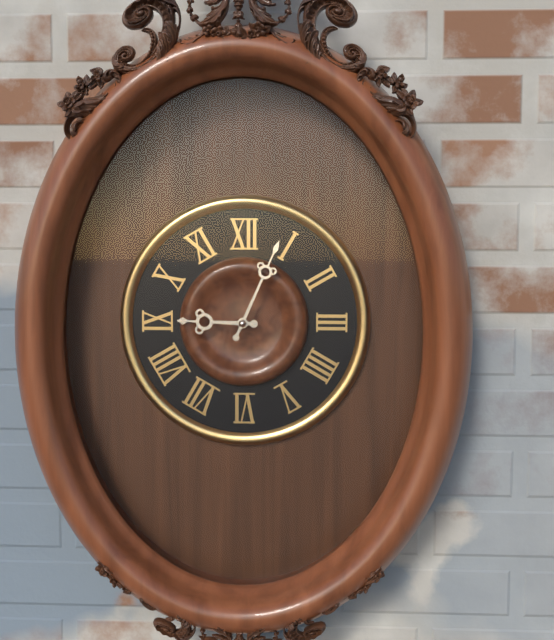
9:04
